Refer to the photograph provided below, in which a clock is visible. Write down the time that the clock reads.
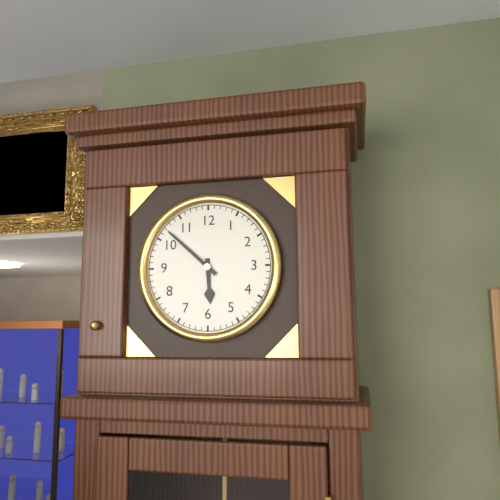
5:52
